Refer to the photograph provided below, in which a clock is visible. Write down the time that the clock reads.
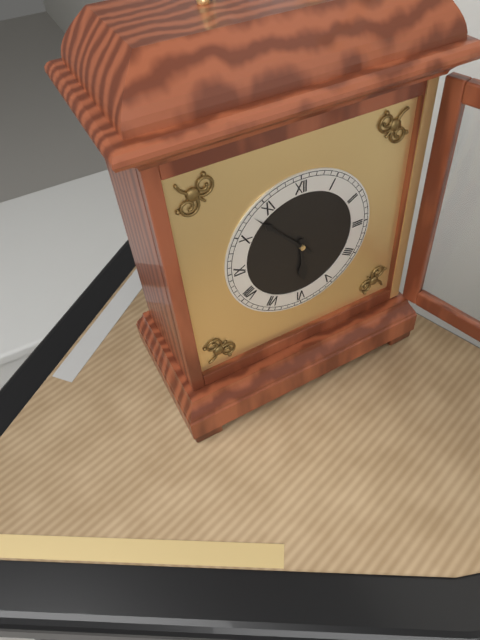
5:53
